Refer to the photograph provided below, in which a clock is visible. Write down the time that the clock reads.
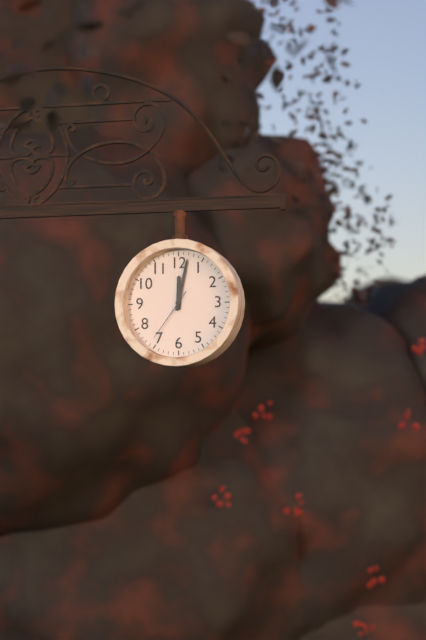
12:02:36
